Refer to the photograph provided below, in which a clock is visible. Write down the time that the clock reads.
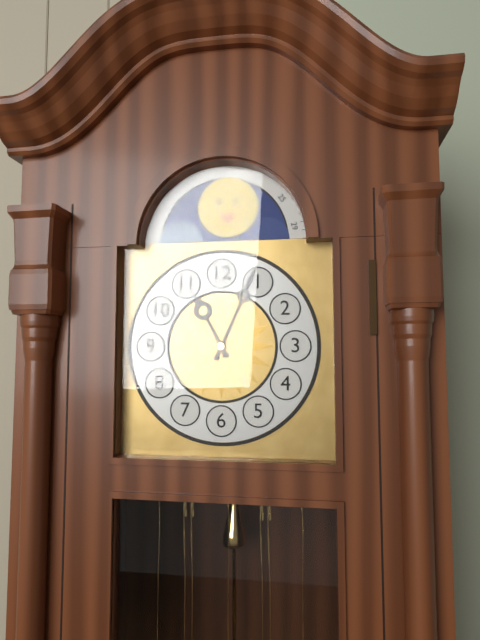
11:04
